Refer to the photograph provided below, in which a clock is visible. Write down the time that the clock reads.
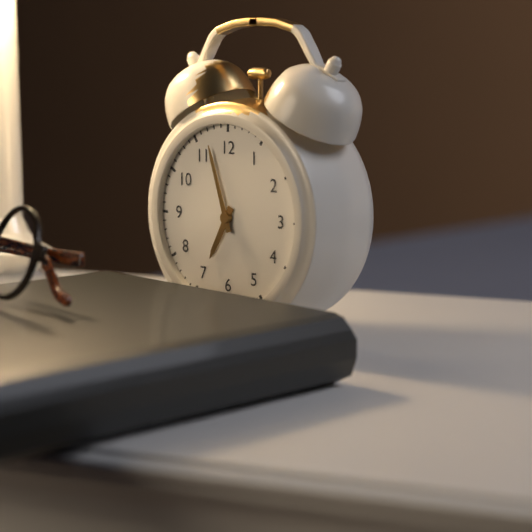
6:57
